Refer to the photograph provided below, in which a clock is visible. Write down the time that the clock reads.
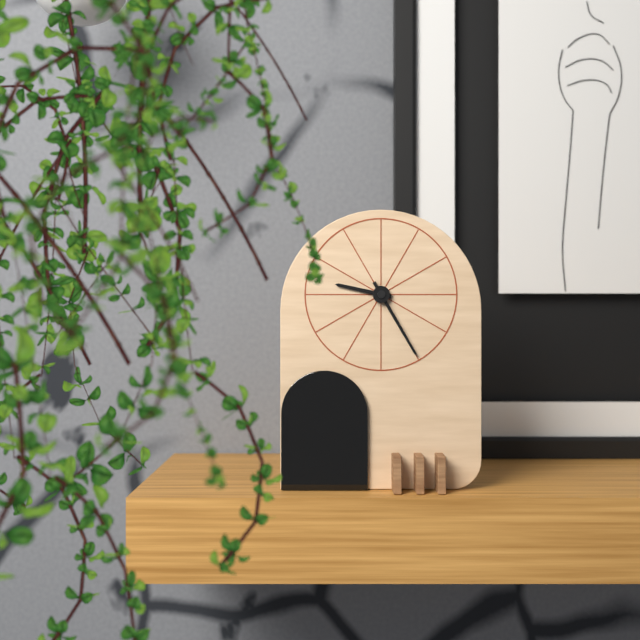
9:25
